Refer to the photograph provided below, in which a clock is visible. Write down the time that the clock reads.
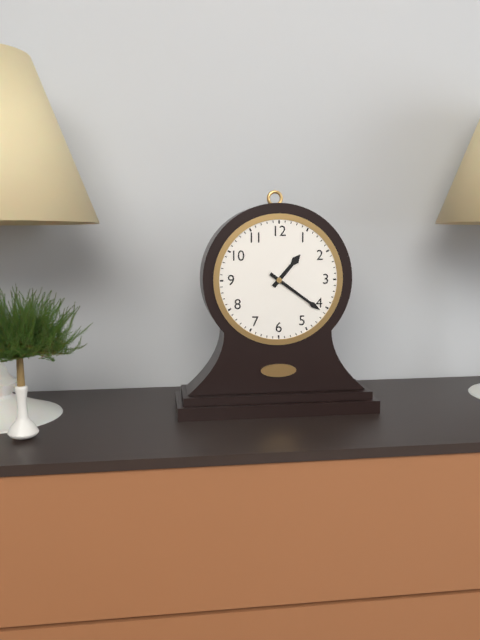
1:21
